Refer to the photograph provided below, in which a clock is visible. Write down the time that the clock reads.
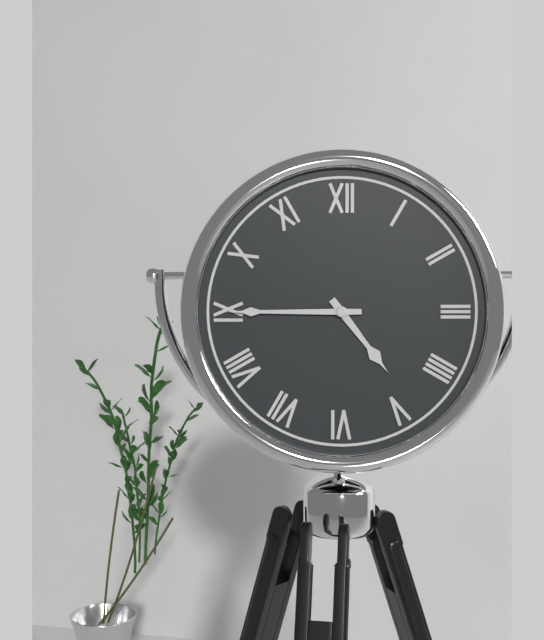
4:45
